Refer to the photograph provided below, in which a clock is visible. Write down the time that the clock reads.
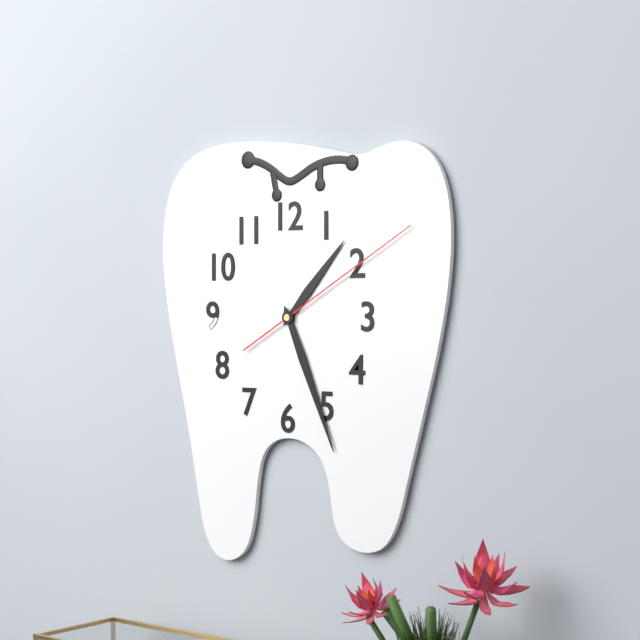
1:26:10
